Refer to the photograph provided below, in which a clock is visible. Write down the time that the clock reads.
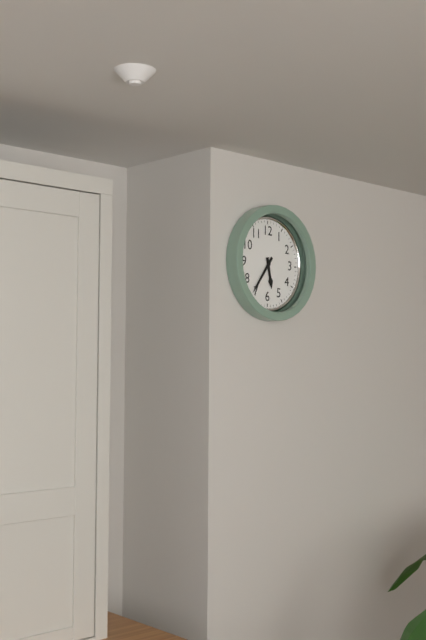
5:36
